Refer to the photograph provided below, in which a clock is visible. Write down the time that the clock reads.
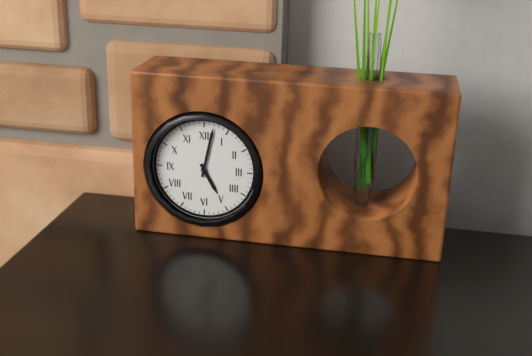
5:02
